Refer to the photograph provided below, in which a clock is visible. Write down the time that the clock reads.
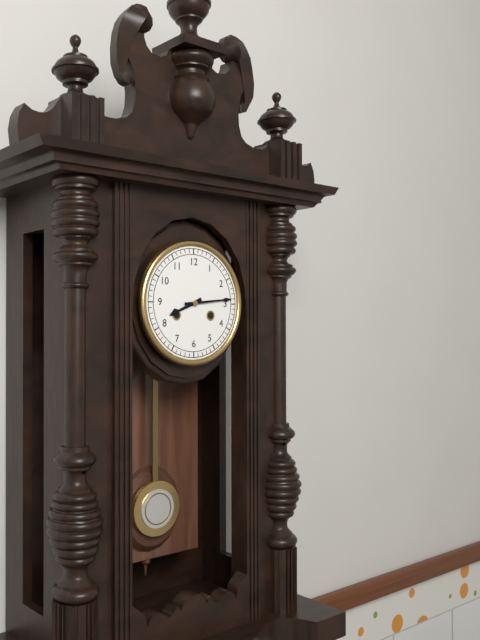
8:14
